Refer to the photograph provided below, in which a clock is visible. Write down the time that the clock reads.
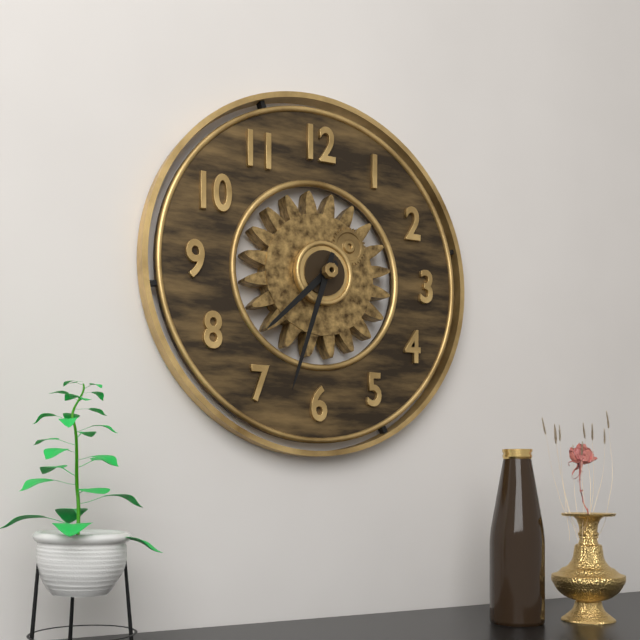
7:33
